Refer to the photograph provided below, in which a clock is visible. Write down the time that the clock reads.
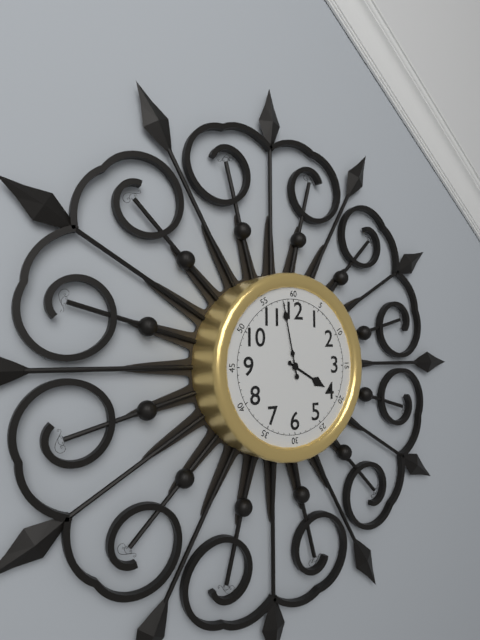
3:58
